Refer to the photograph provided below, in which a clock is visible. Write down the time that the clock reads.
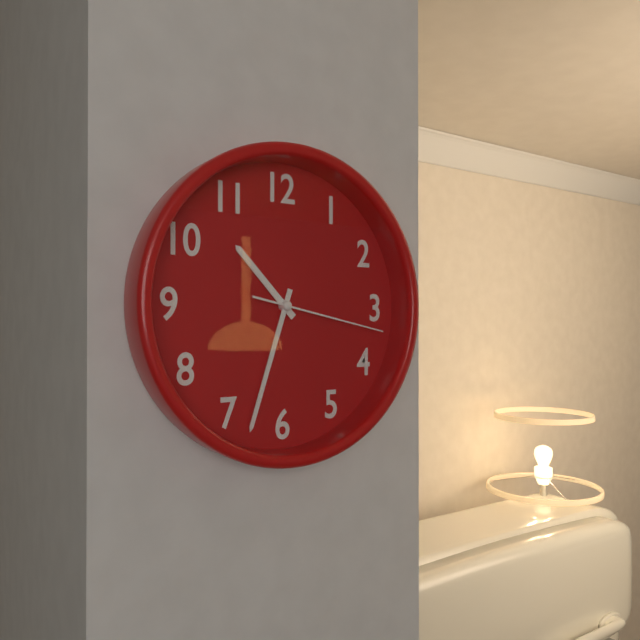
10:33:17
